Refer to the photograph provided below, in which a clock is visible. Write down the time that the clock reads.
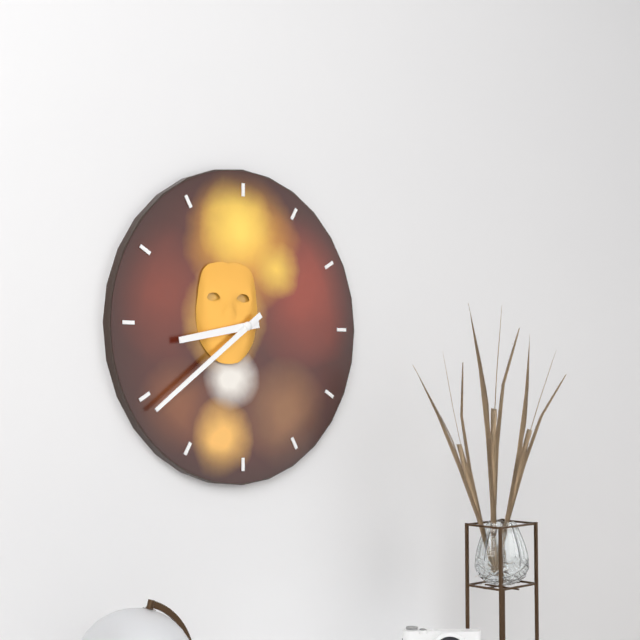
8:39
